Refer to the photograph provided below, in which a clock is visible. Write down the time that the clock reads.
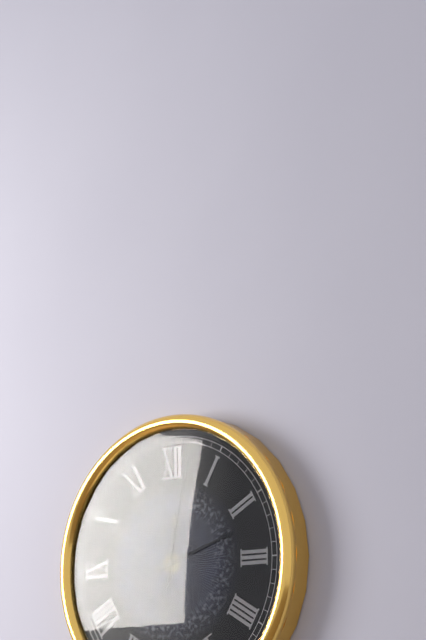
12:12:02
